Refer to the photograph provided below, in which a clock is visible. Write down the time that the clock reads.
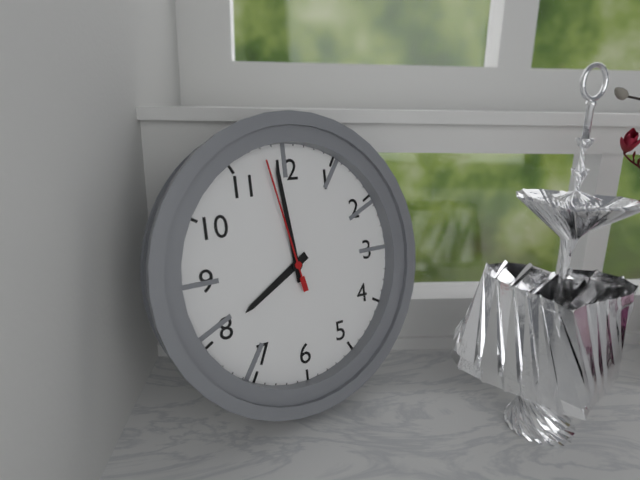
7:59:58
